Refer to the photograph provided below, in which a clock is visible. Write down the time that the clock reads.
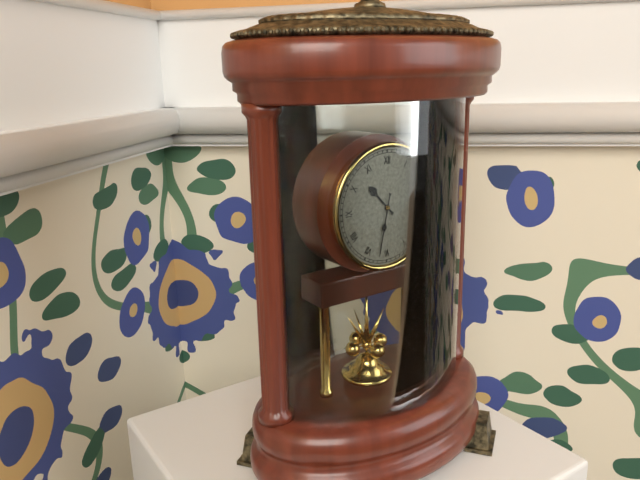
10:32
